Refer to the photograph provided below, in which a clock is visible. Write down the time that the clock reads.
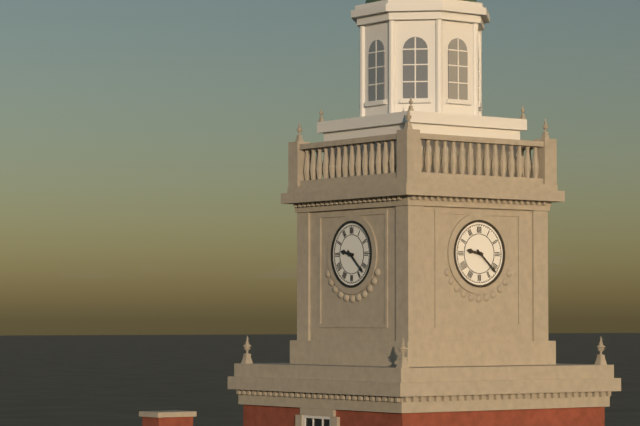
9:22
